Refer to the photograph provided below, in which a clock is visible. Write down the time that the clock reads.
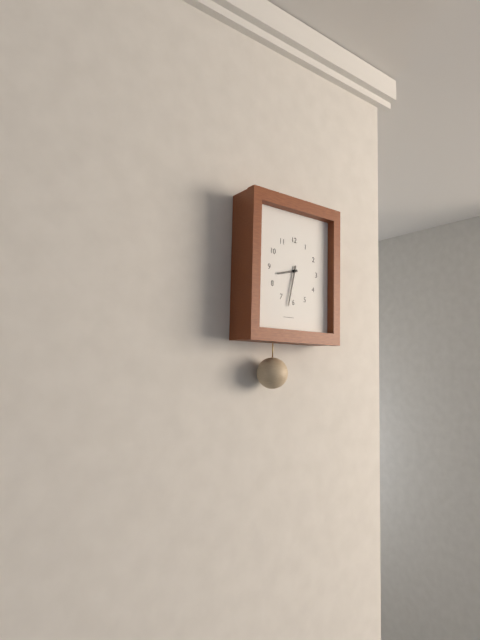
8:32
